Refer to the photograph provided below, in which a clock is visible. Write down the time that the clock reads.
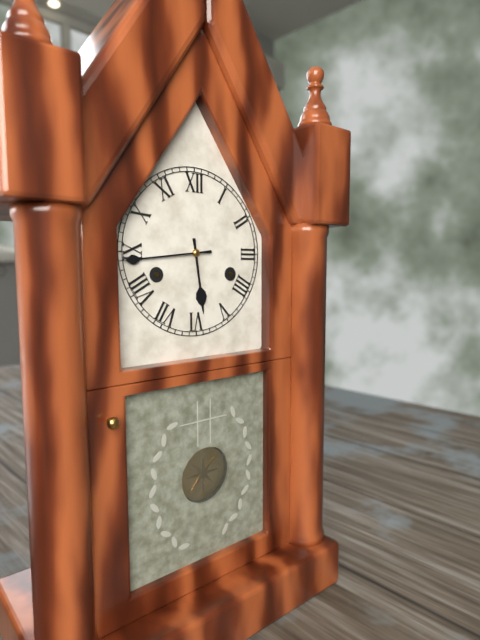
5:44
